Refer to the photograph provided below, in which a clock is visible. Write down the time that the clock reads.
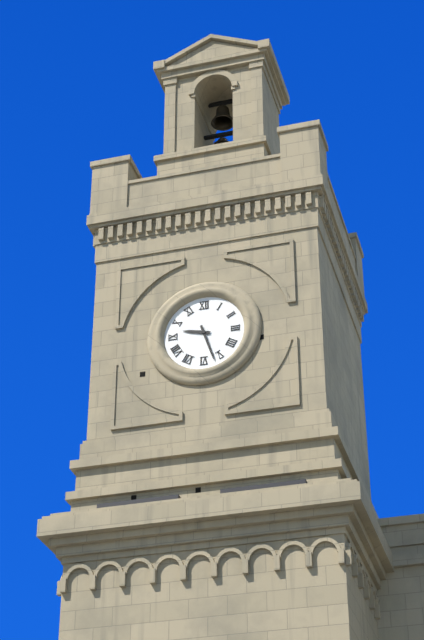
9:27
